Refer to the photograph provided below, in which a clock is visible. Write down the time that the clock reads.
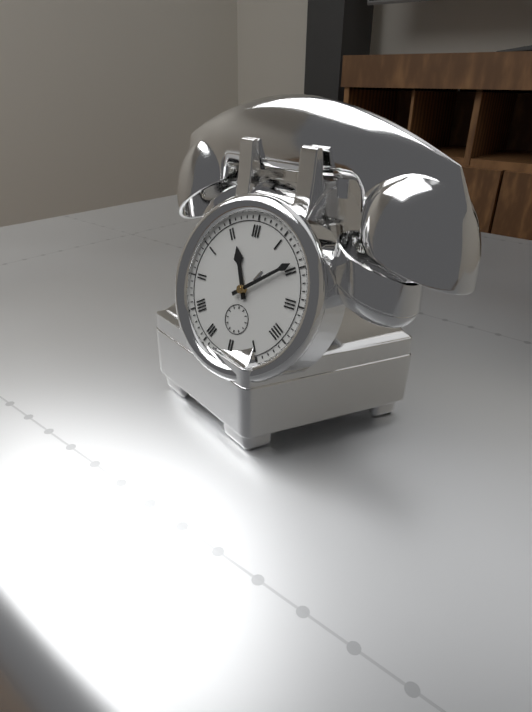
11:09
